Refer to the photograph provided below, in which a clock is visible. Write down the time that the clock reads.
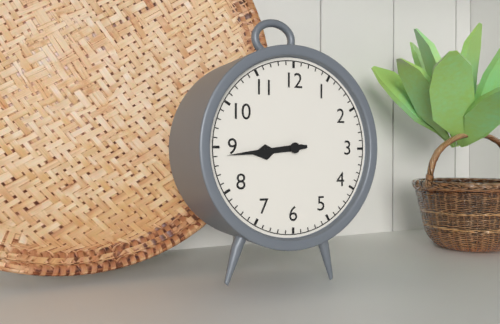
8:44
